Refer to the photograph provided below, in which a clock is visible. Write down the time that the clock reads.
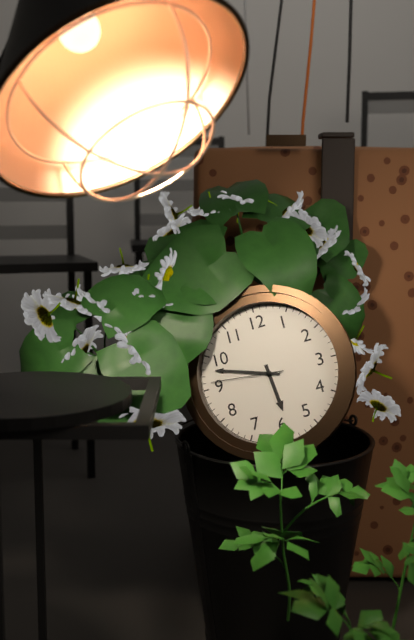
5:48:46
